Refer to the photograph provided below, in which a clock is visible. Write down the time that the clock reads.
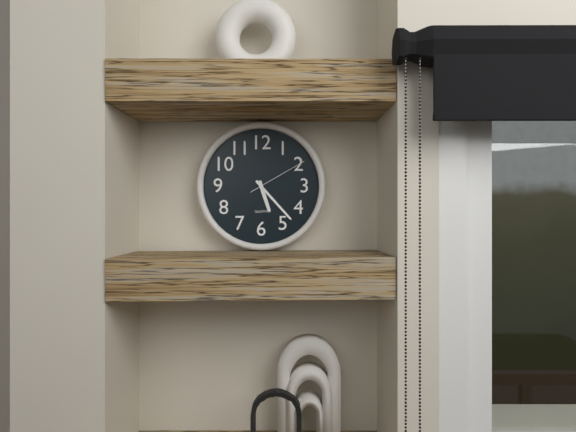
5:23:10
